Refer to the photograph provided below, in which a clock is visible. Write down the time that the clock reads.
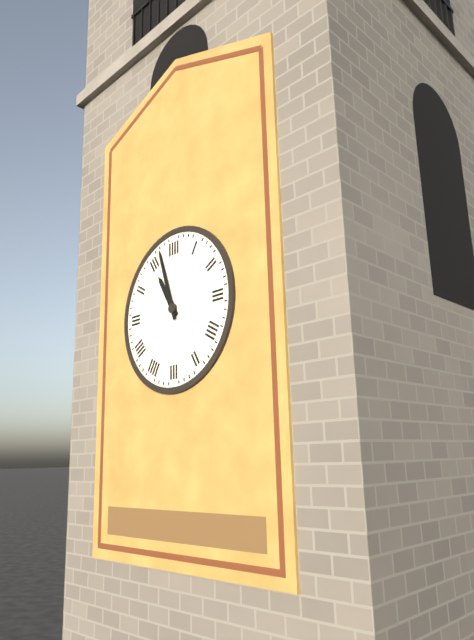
10:57
